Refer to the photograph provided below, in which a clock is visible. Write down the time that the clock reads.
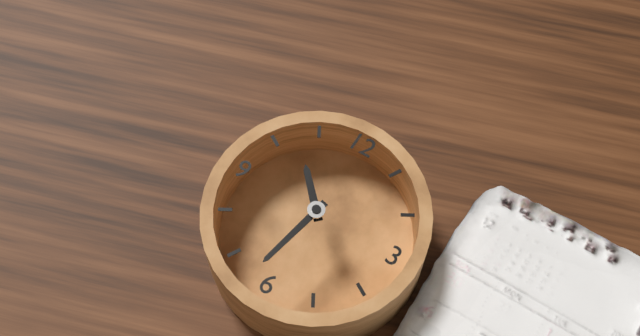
10:32
